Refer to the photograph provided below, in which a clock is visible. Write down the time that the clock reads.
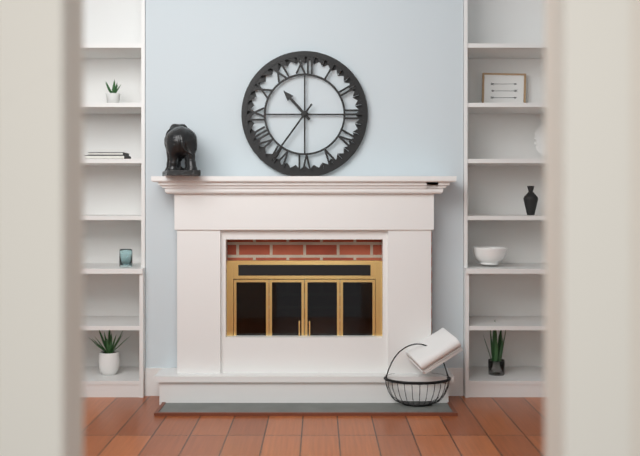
10:36
